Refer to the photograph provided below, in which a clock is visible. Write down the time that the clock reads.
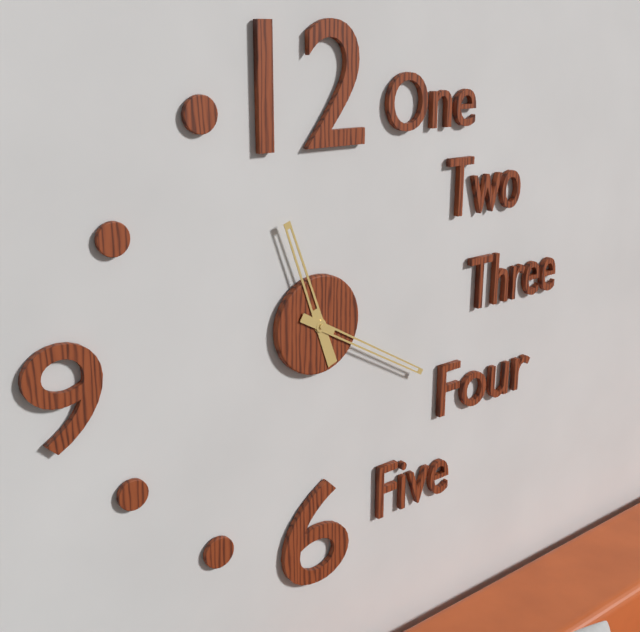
11:20
